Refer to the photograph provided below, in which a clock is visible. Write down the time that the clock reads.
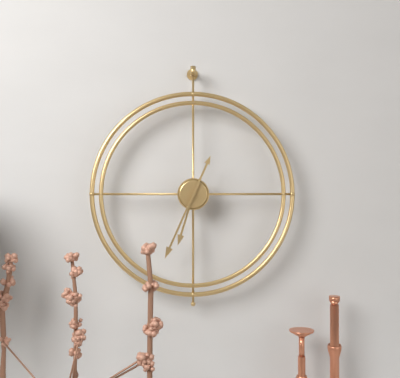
6:34
